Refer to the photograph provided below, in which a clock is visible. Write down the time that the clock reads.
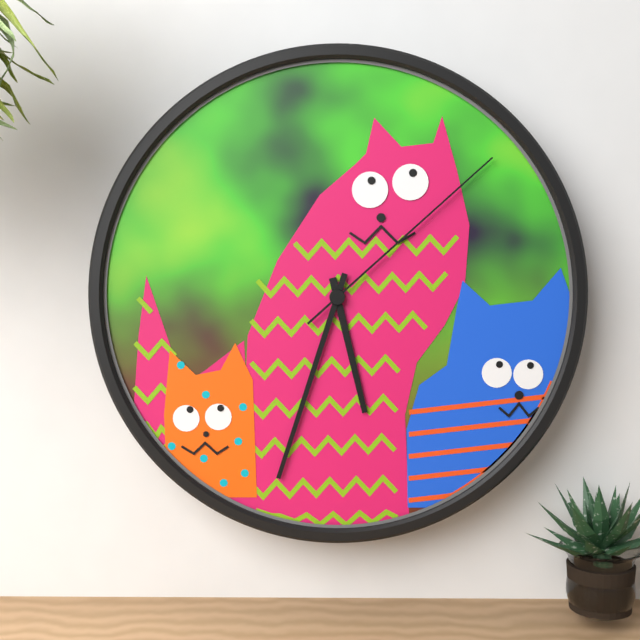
5:33:08
